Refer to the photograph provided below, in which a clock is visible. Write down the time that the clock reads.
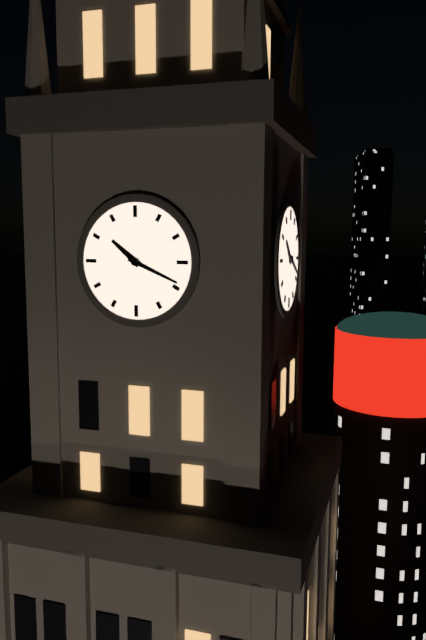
10:19
